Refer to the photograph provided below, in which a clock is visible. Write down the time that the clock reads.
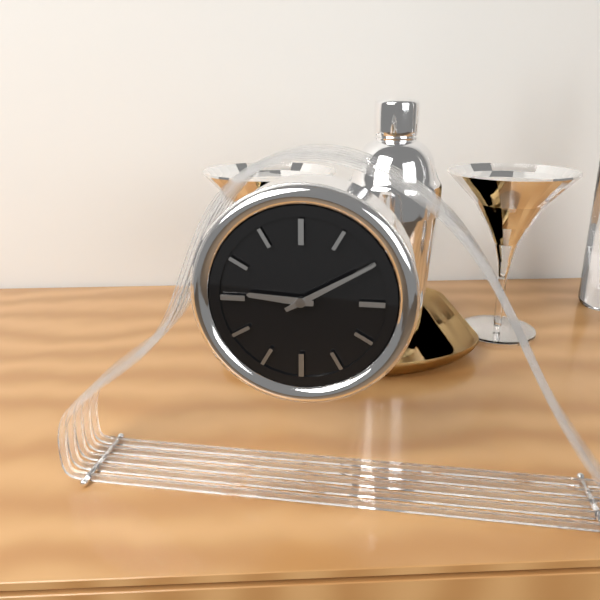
9:10
